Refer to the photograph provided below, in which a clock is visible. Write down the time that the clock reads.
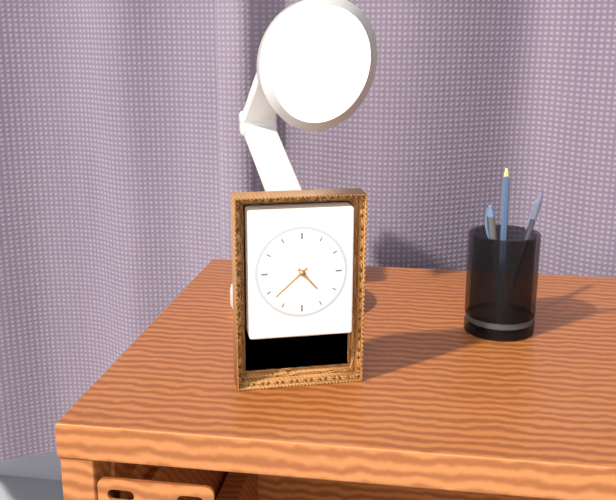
4:38
